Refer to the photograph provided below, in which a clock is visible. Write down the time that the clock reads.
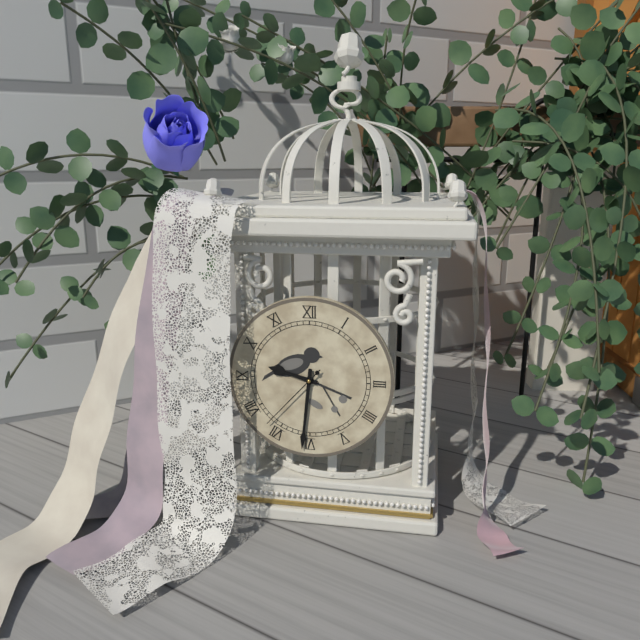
9:31:37
